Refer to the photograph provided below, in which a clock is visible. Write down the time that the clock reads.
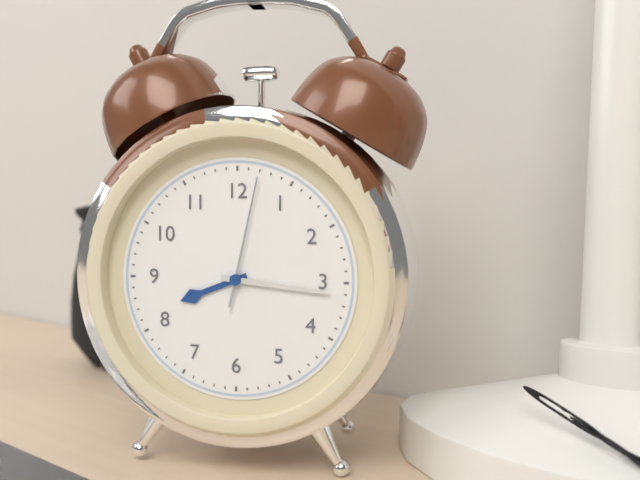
8:16:02
